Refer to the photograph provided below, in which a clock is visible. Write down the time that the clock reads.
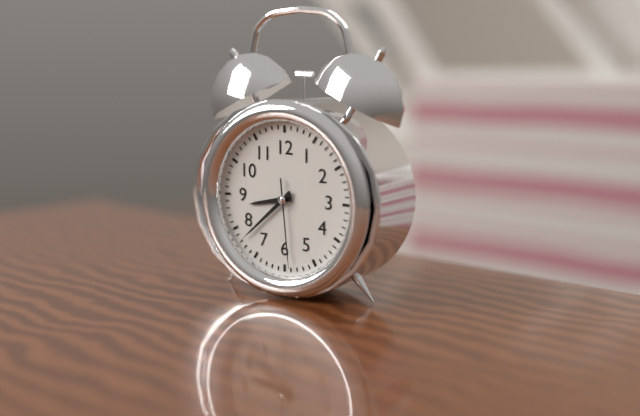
8:38:29
